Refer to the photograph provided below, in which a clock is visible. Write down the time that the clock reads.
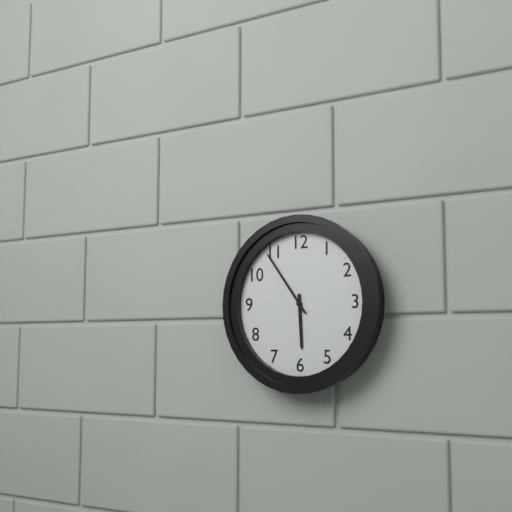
5:54
